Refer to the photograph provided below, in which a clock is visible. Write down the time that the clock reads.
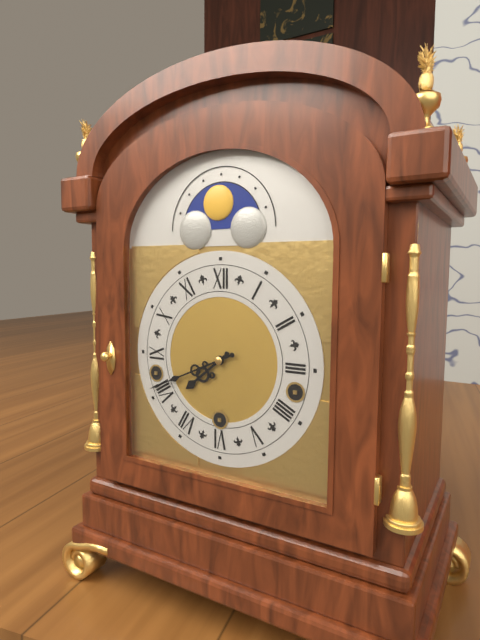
7:41
